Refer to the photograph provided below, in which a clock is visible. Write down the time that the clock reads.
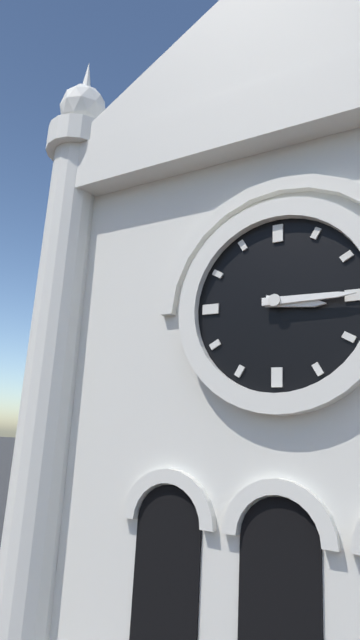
3:15
